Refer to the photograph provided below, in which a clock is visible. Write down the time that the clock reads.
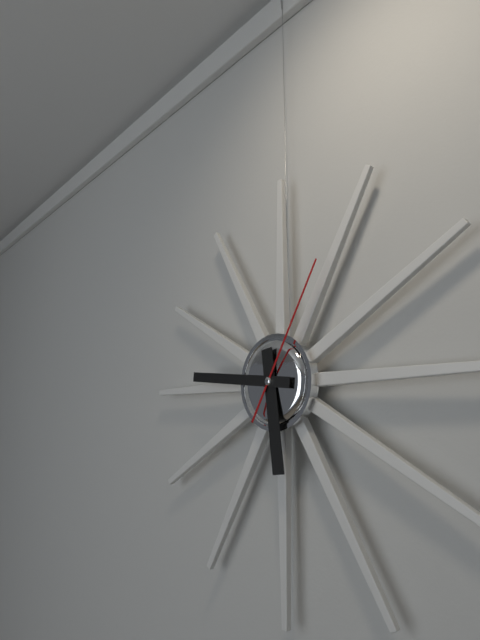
5:46:05
